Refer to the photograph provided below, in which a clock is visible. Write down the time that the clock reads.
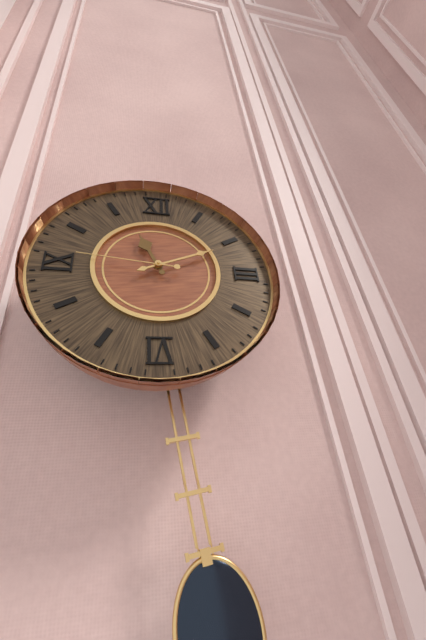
11:11:46
